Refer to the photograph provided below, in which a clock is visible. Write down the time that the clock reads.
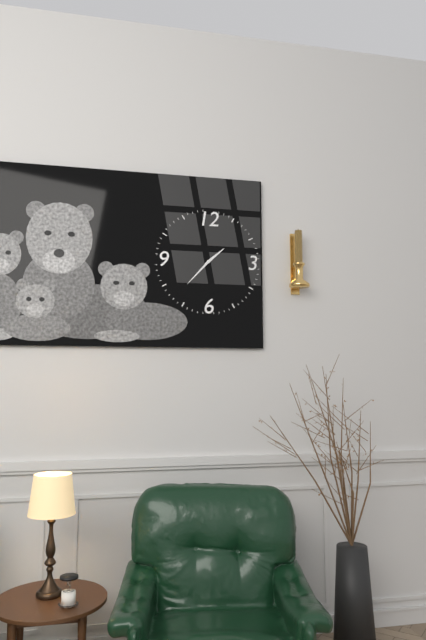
1:37
